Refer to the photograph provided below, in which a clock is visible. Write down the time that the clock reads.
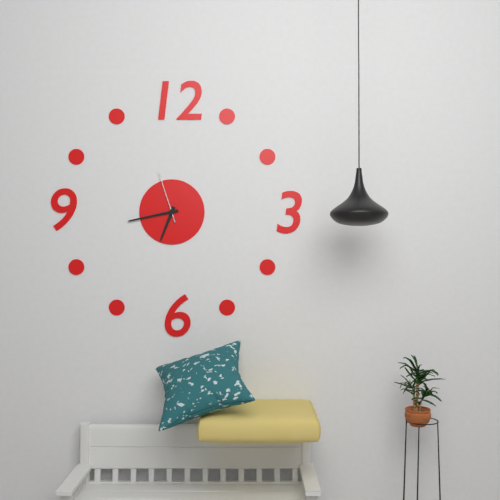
6:43:57
